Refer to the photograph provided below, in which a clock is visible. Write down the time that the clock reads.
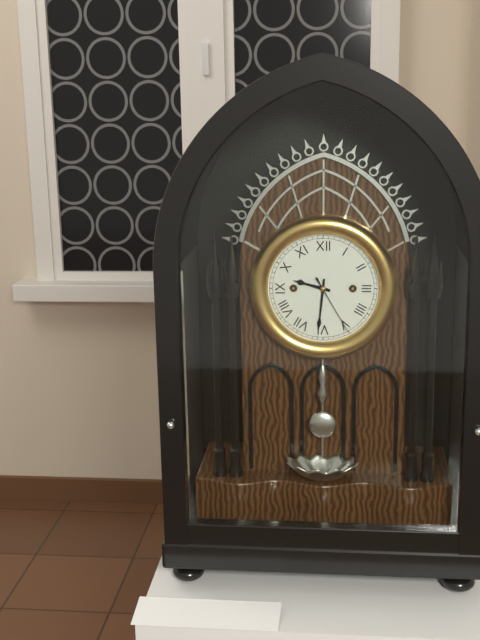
9:31:25
